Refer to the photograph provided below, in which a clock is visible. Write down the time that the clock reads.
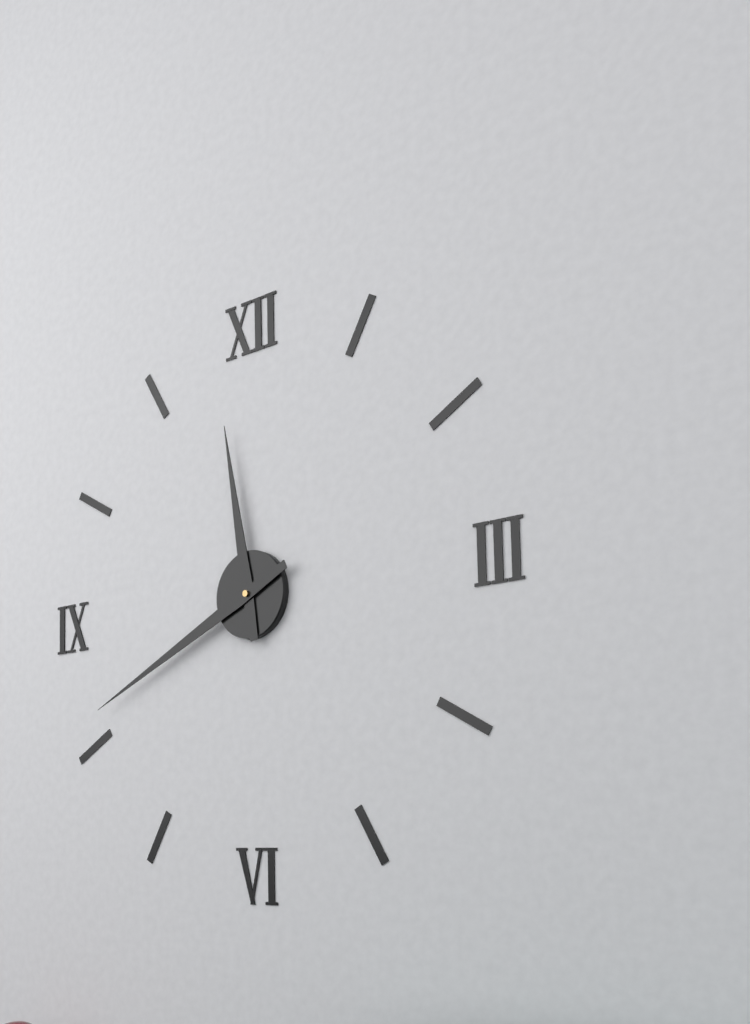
11:41
